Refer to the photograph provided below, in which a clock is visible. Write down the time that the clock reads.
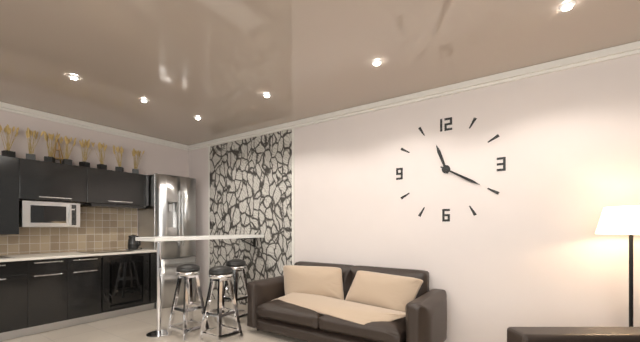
11:20
